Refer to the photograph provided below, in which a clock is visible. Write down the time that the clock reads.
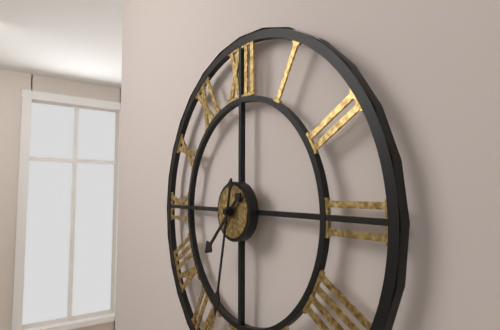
7:32
